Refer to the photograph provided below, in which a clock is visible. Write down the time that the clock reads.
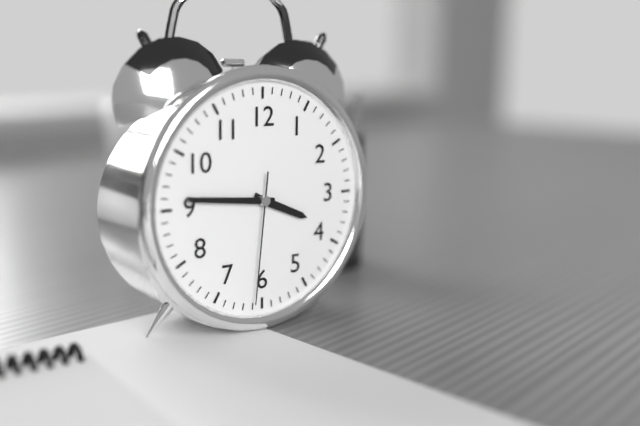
3:46:31
